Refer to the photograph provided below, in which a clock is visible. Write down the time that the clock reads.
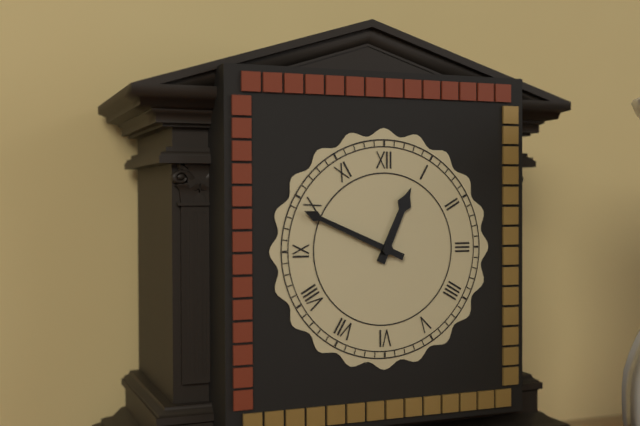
12:49
